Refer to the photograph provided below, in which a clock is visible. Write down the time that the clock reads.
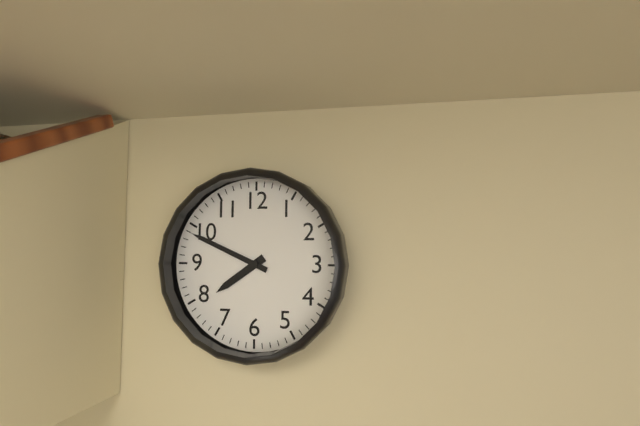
7:49
